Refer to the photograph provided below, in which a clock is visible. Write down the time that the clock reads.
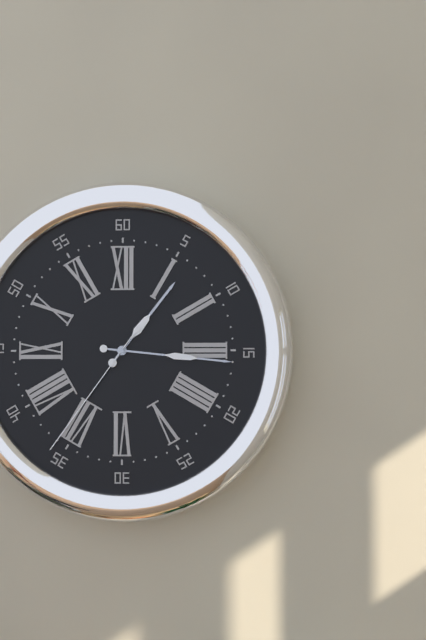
1:16:36
